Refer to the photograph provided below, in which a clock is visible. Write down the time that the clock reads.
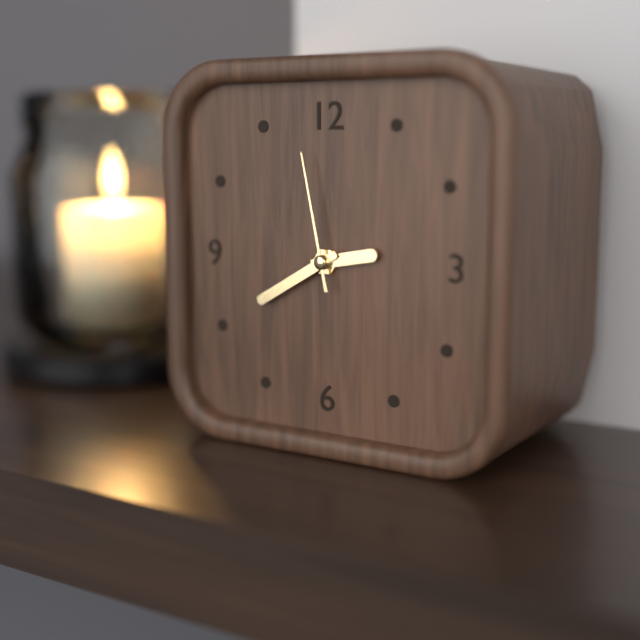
2:40:58
